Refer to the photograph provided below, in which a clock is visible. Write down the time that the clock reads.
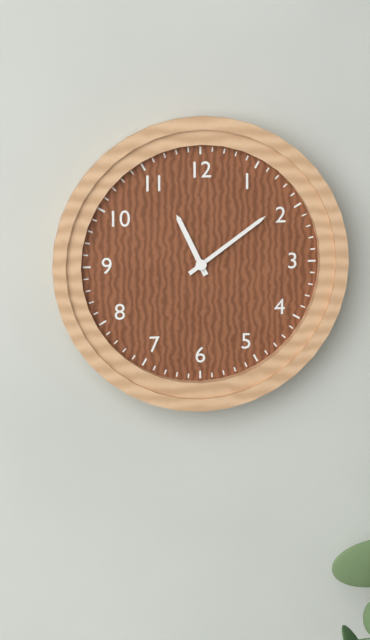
11:09
